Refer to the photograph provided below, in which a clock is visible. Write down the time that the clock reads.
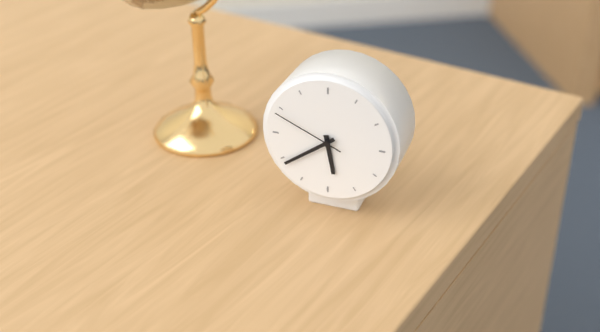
5:39:49
